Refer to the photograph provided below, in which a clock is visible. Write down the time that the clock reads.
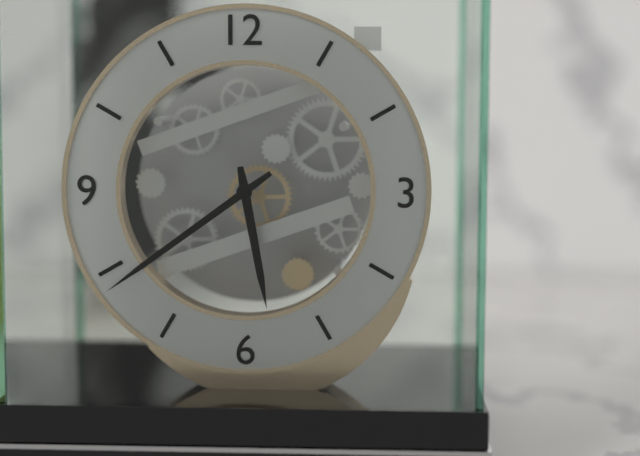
5:39
